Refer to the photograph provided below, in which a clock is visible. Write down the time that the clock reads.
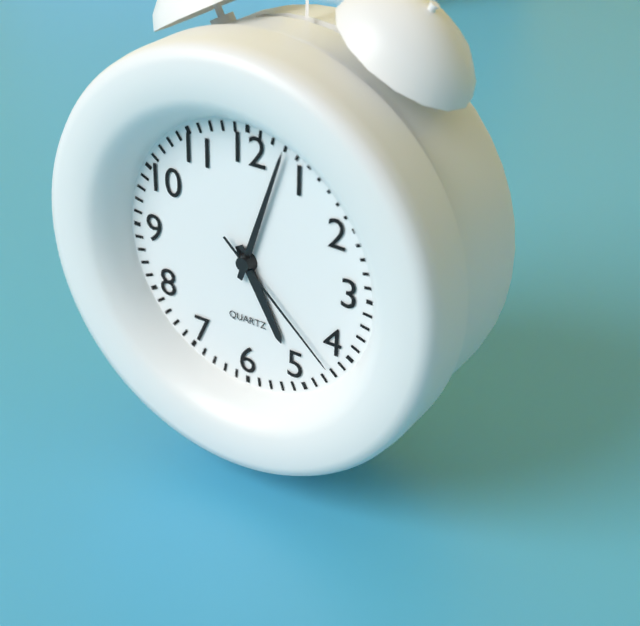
5:03:22
